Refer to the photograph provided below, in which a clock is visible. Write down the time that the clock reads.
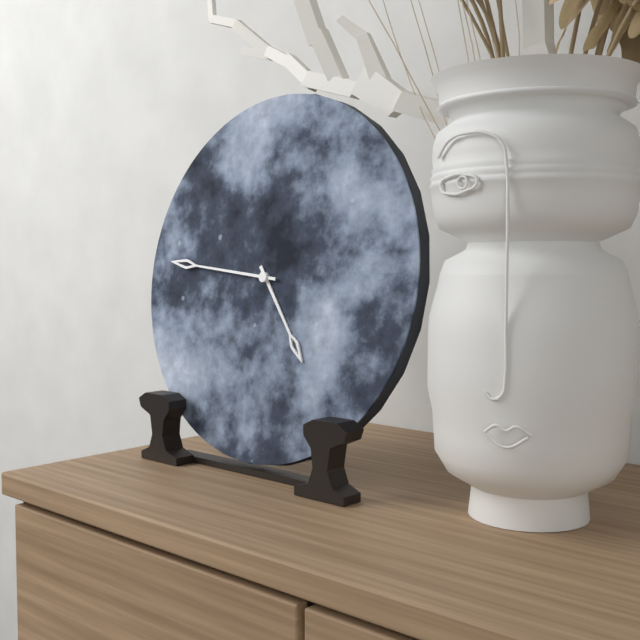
4:46
